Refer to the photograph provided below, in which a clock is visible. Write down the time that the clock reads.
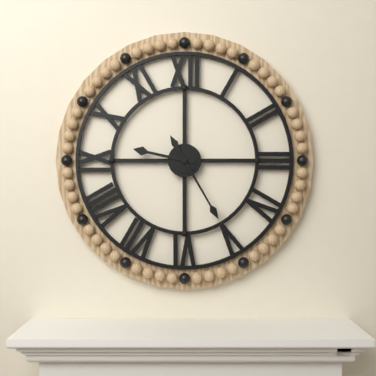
9:25
